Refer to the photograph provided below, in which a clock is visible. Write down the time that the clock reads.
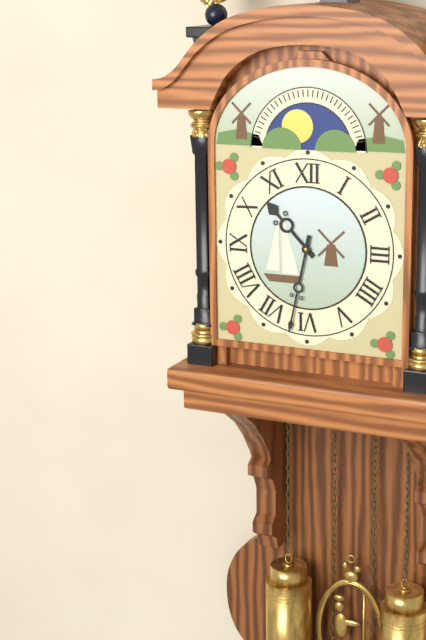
10:32
